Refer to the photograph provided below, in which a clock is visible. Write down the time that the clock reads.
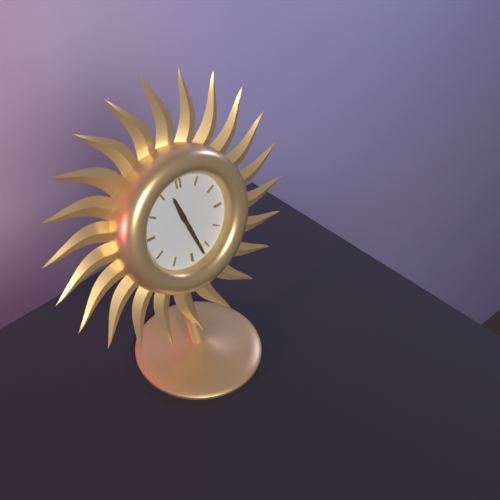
11:27
